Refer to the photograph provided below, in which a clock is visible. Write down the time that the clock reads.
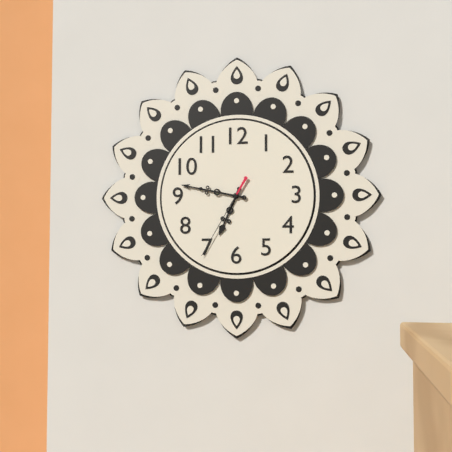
6:47:35
